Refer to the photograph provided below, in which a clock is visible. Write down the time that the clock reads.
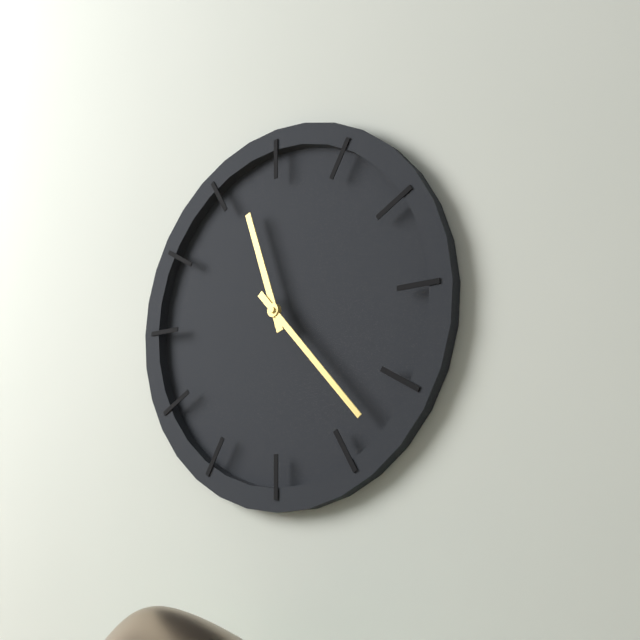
11:23
